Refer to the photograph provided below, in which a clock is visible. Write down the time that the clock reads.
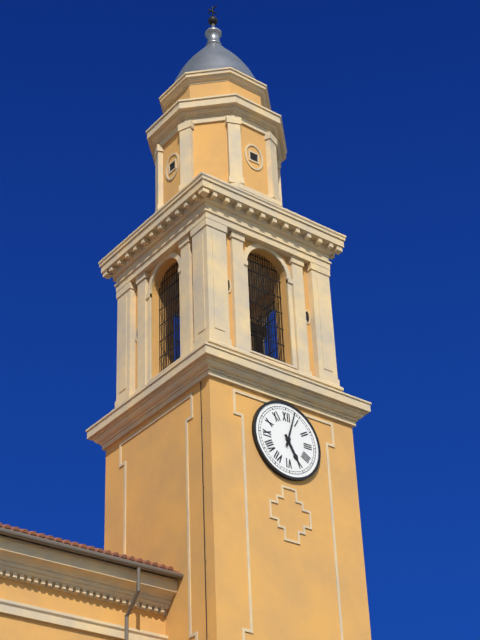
5:03
